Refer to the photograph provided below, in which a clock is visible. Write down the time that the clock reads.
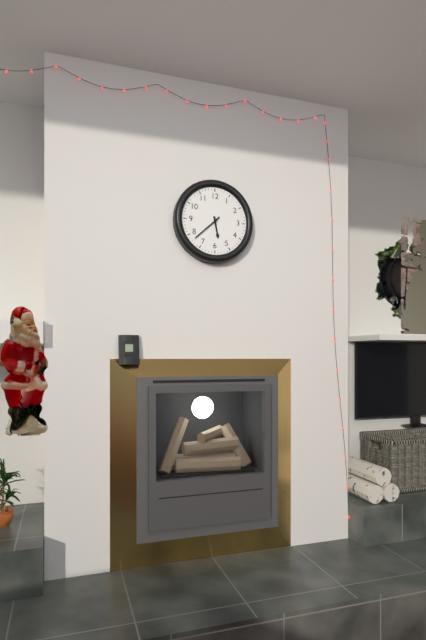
5:38
